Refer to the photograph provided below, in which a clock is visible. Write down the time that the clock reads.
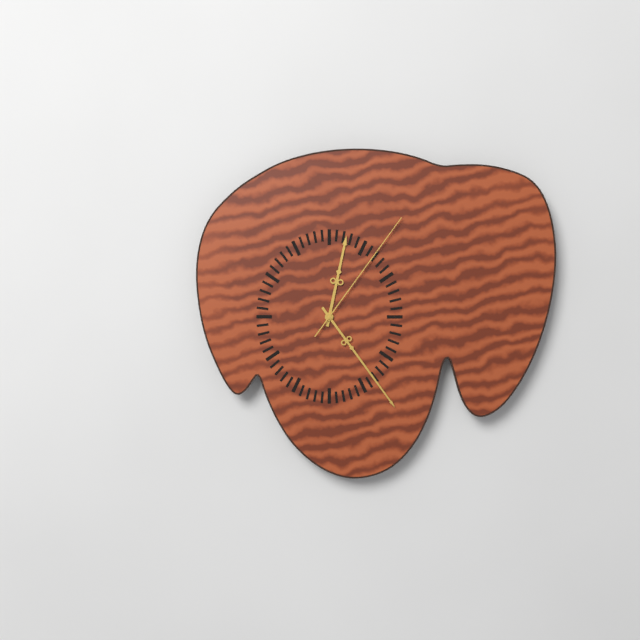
12:24:06
